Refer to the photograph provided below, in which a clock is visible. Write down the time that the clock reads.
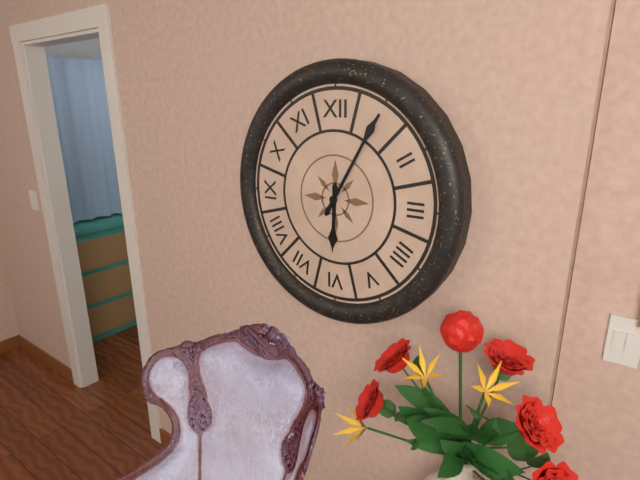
6:05
